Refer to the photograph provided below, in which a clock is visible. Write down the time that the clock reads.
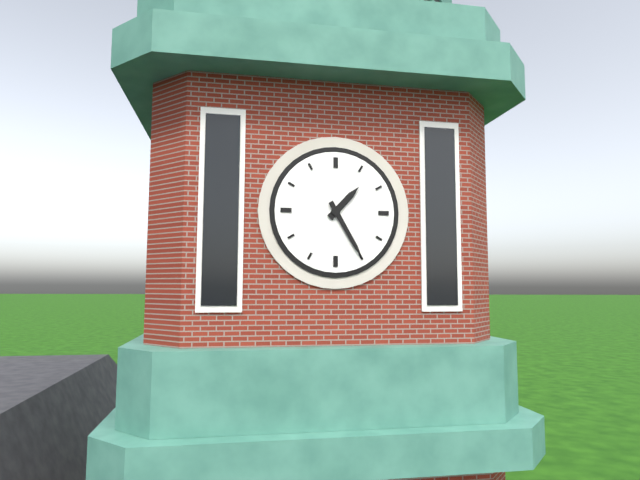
1:25
